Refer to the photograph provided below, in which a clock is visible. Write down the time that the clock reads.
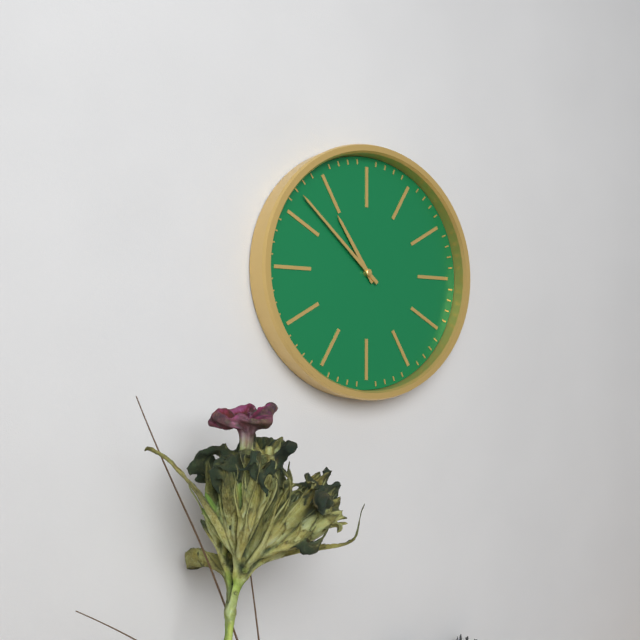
10:52
